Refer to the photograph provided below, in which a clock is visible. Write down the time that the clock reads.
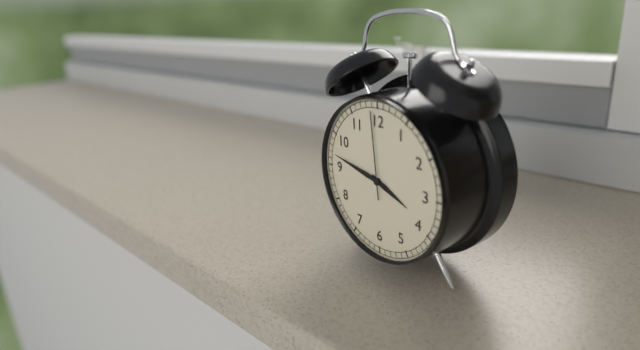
3:47:59
